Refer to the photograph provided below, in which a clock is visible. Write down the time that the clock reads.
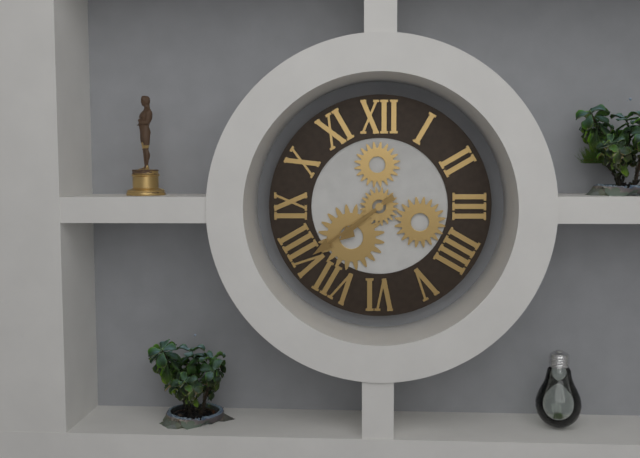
7:39
